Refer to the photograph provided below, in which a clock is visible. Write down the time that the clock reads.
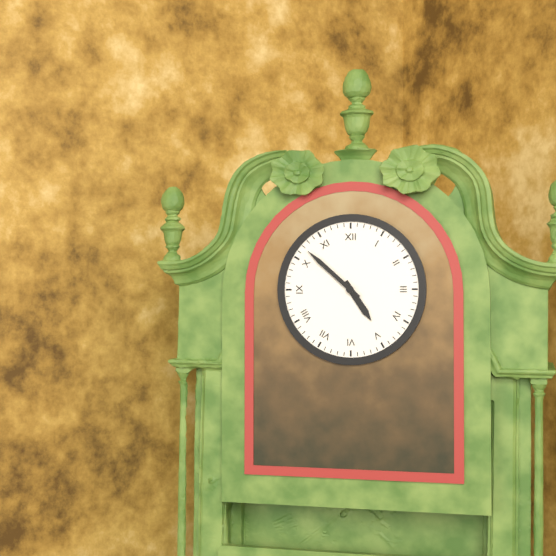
4:52
